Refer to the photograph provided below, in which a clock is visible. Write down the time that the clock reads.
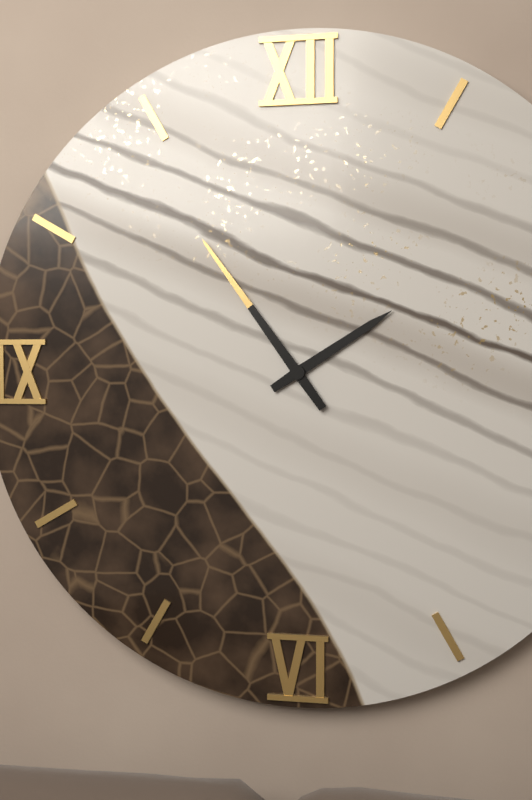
1:54
